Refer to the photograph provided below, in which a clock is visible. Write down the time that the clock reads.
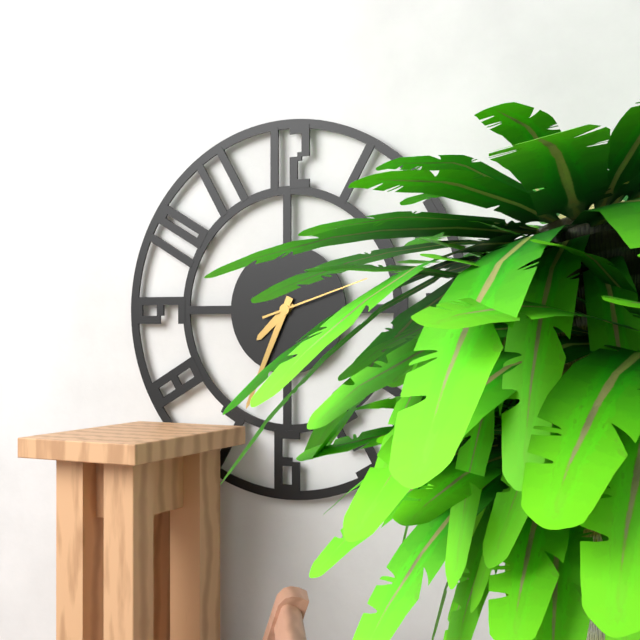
7:34:12
